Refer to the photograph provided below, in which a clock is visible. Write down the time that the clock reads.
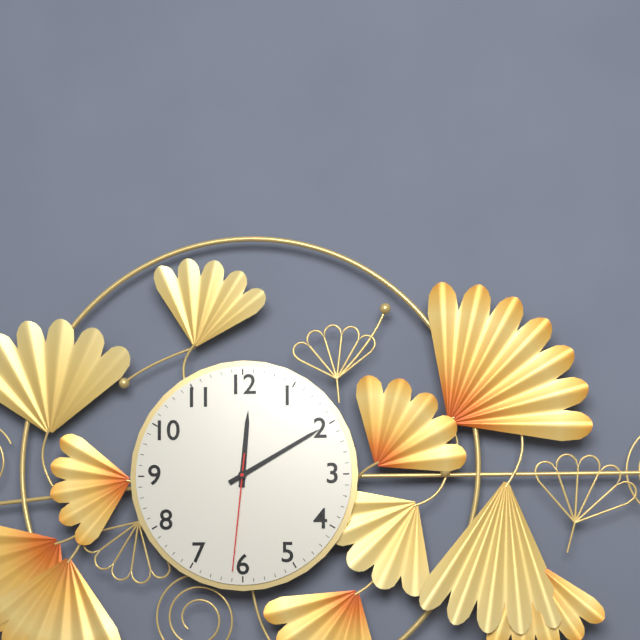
12:10:31
